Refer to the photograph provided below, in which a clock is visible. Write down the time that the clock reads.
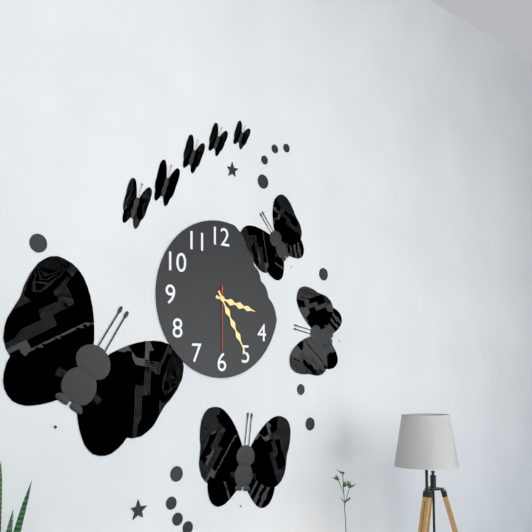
3:25:30
